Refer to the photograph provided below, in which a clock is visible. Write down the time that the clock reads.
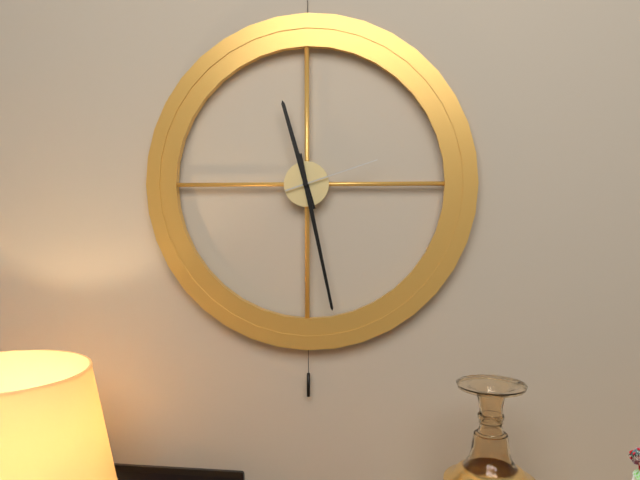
11:28:12
